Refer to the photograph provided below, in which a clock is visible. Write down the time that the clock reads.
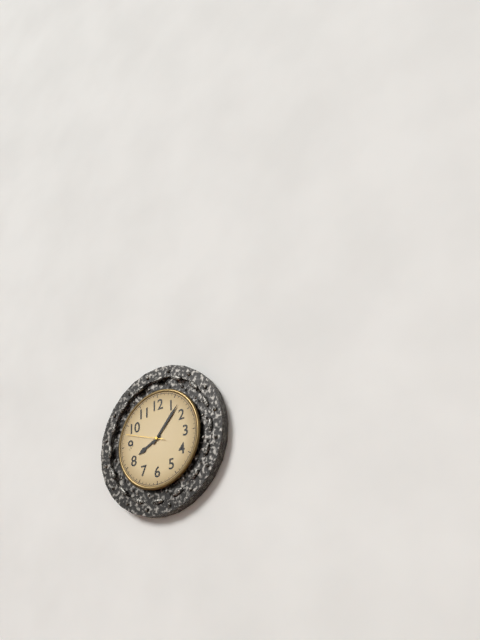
8:07
